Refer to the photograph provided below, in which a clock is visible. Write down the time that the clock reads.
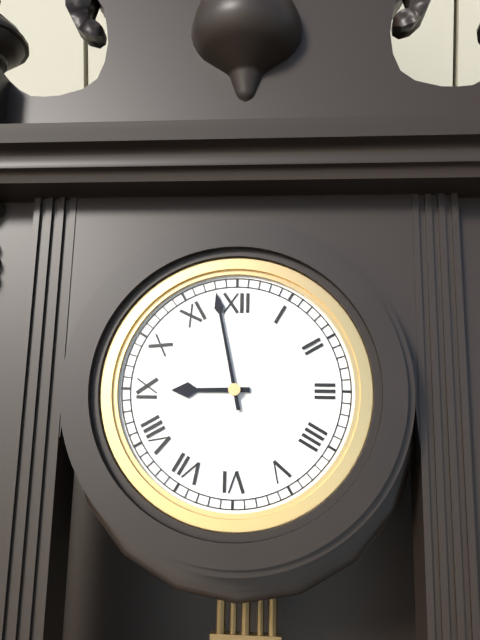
8:58
